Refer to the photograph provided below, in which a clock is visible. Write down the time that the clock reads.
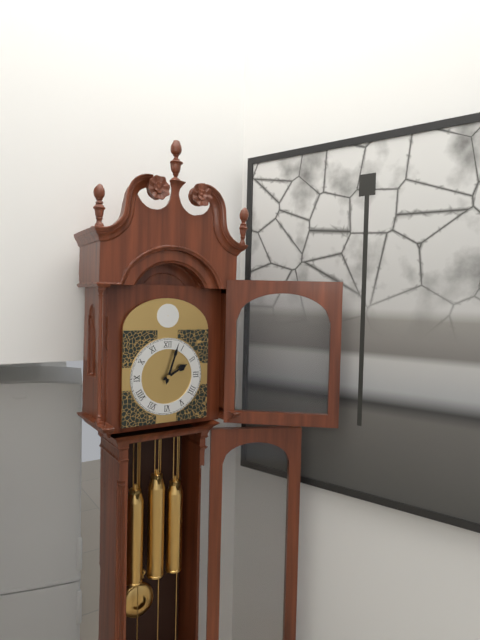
2:03
